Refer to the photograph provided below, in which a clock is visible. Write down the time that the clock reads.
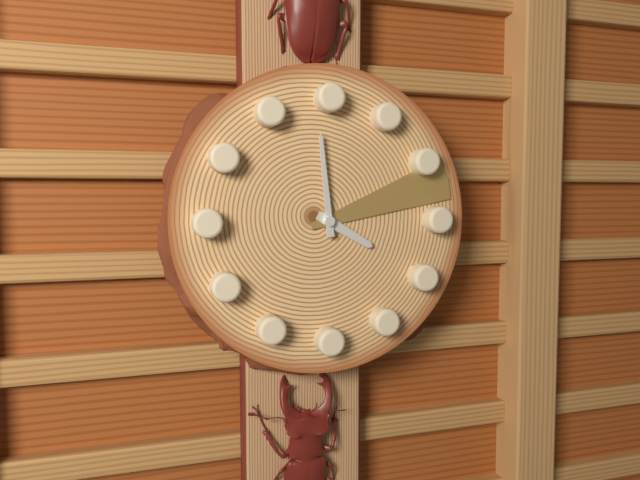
3:59:12
